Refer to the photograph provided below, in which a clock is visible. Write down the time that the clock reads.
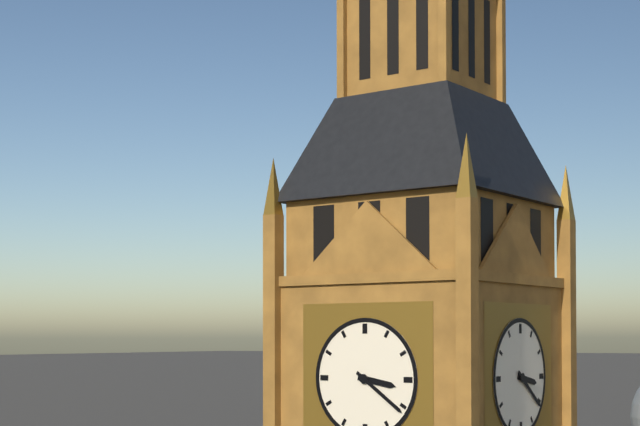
3:21
